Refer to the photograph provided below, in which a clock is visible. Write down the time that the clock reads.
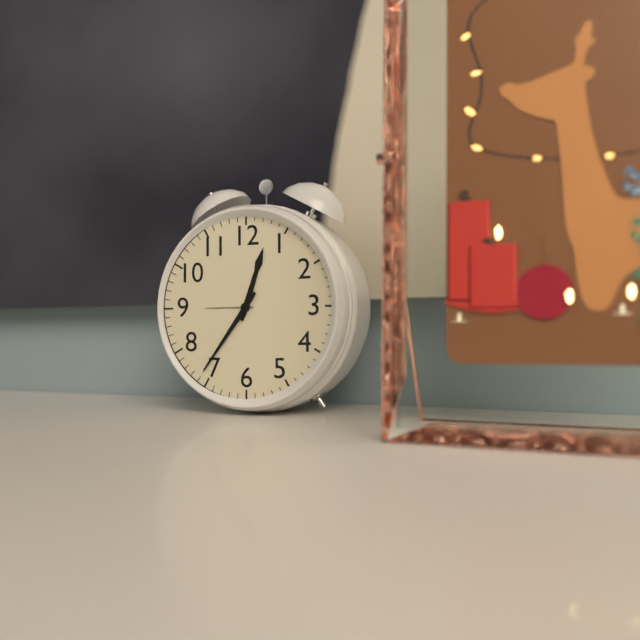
12:36
